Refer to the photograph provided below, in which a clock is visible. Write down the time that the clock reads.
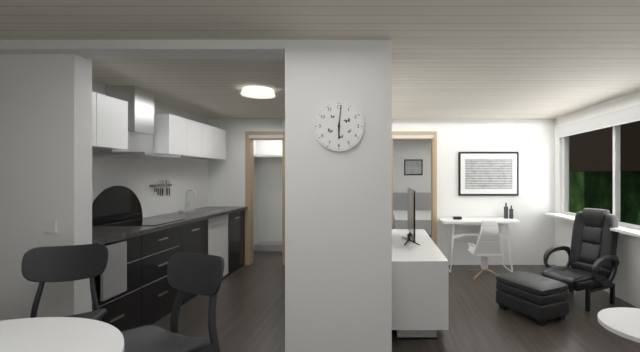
6:01
